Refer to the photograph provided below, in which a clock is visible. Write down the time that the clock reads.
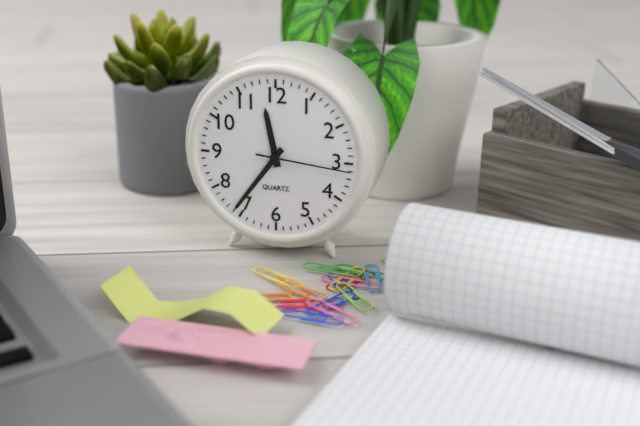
11:36:16
